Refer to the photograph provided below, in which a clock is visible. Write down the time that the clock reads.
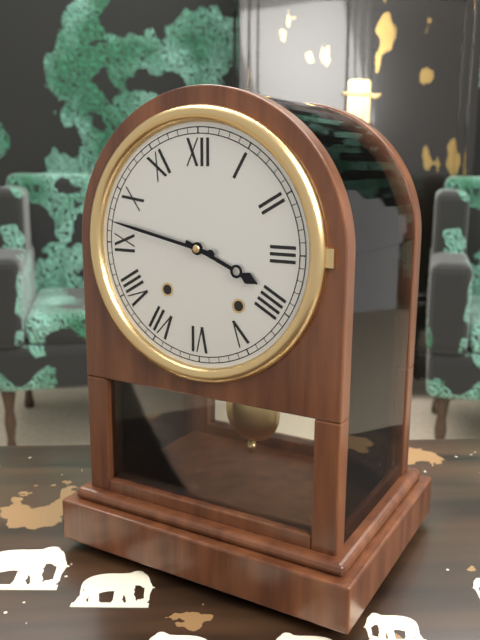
3:47
